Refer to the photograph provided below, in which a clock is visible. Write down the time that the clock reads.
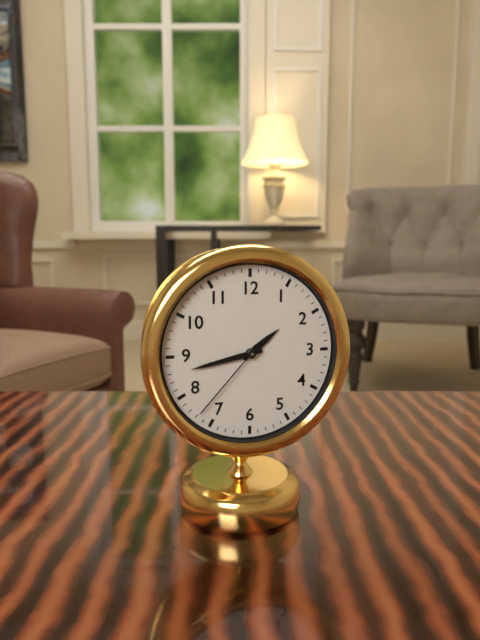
1:43:37
